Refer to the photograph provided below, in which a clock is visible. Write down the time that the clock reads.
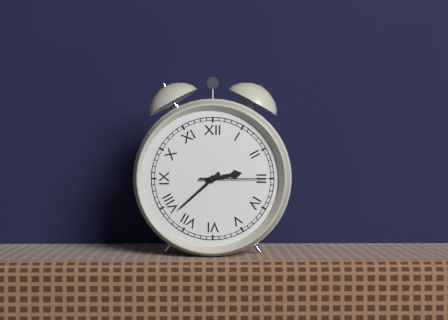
2:38:15
